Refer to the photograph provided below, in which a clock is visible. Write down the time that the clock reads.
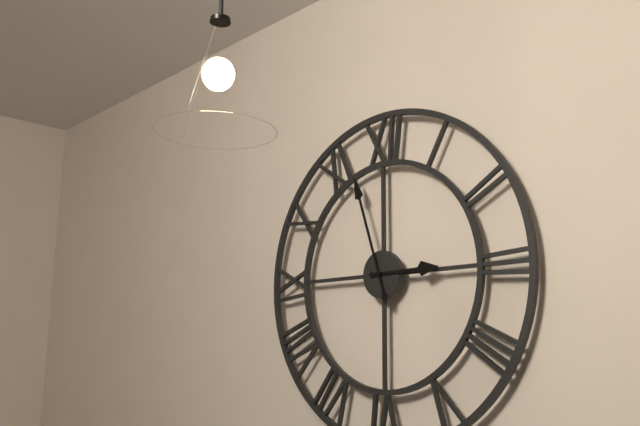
2:57
